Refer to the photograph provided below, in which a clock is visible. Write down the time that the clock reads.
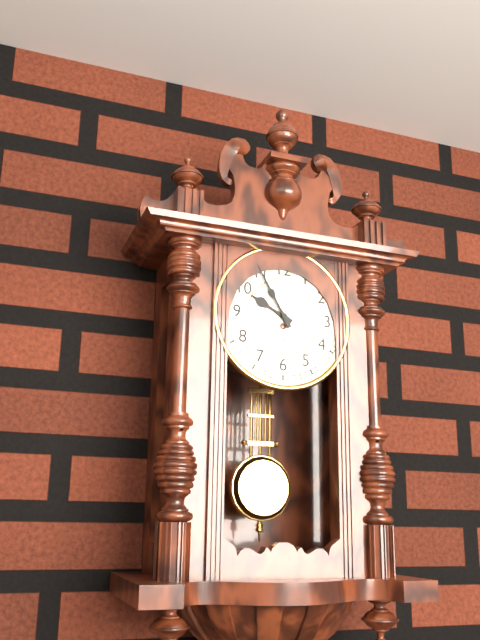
9:55
